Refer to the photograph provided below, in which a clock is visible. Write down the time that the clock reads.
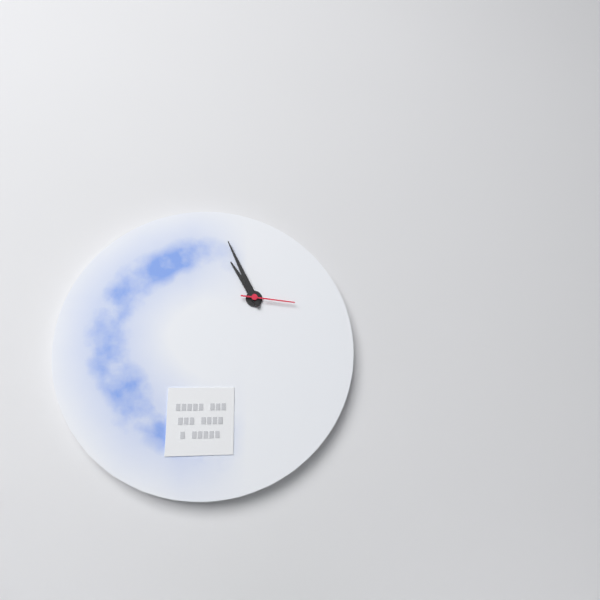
10:56:16
